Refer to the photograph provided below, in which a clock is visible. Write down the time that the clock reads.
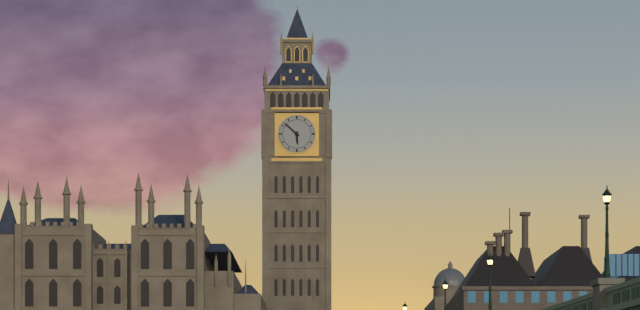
5:52
